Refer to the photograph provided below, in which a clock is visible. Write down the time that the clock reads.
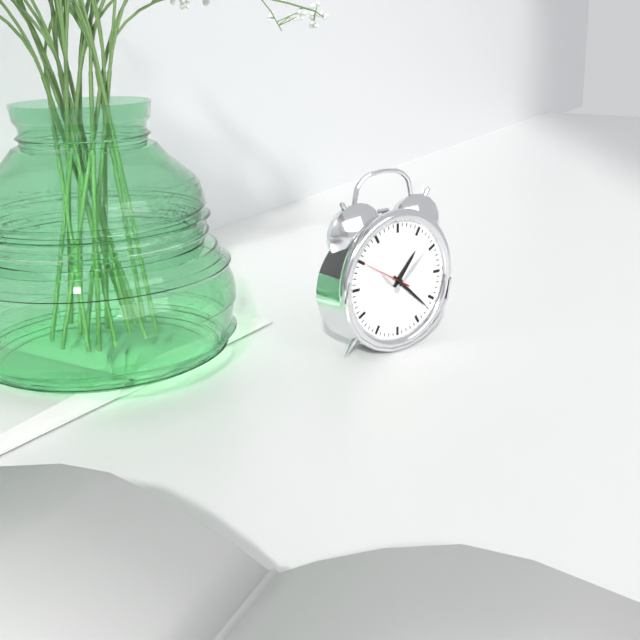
1:22:50
